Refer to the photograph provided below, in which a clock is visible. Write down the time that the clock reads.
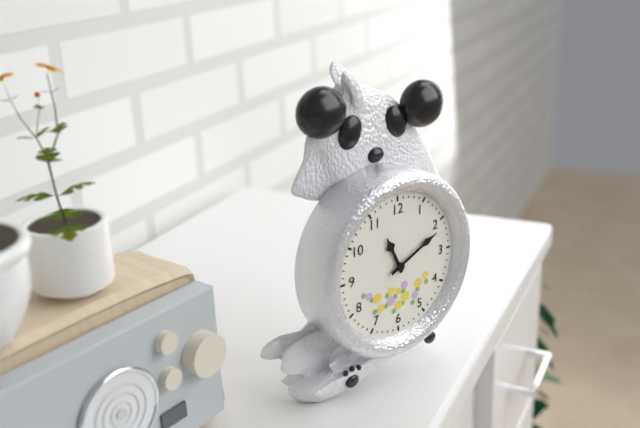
11:11
